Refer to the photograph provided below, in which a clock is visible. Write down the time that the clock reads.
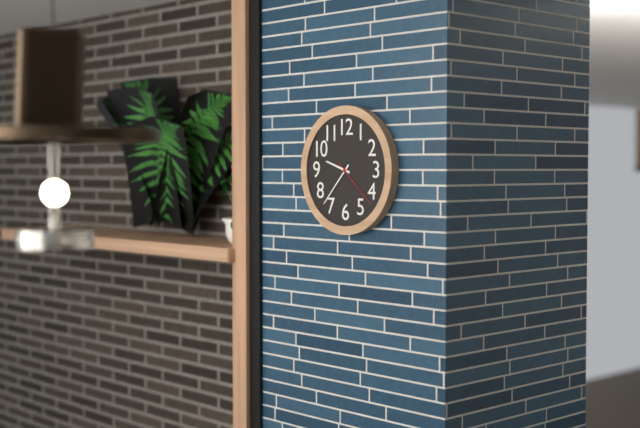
9:37:22
